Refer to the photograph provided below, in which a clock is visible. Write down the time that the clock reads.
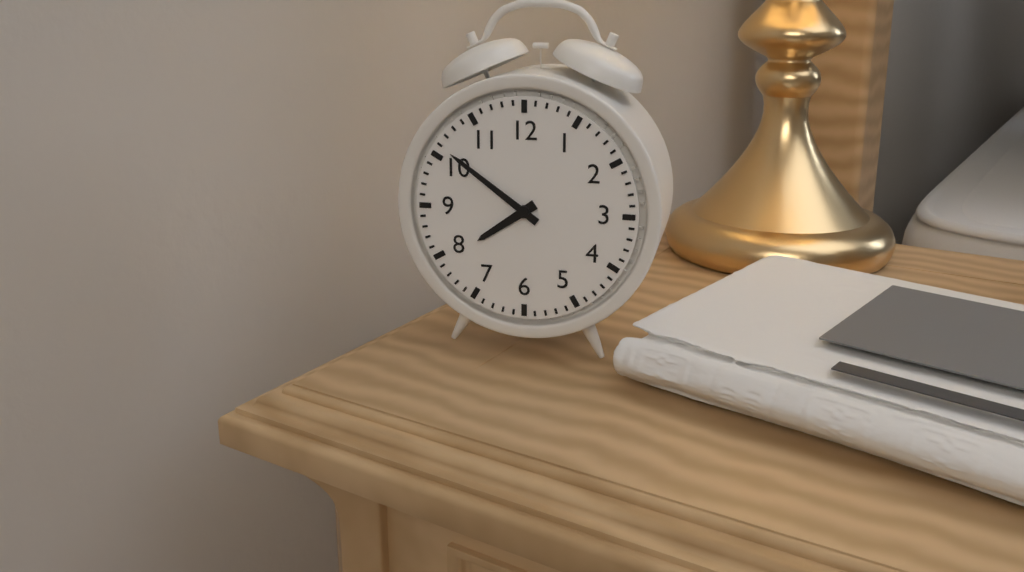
7:51
